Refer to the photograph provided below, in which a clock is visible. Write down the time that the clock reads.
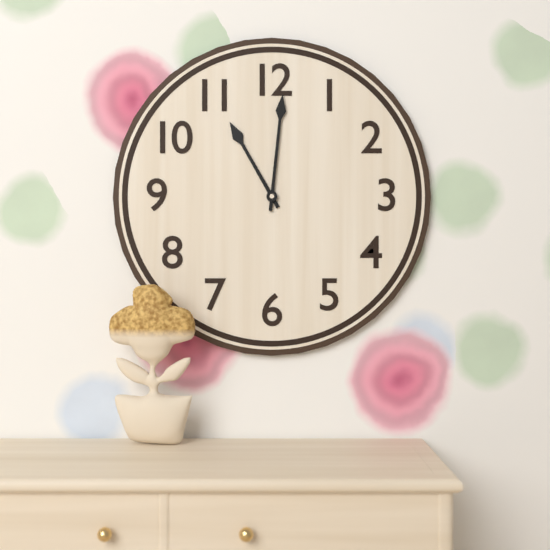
11:01
